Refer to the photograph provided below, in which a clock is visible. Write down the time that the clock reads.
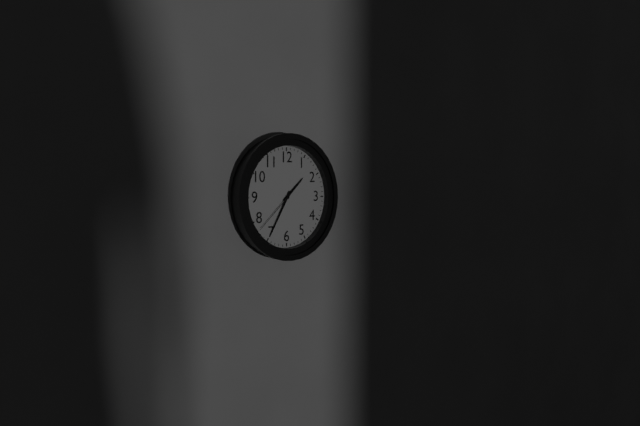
1:35:38
